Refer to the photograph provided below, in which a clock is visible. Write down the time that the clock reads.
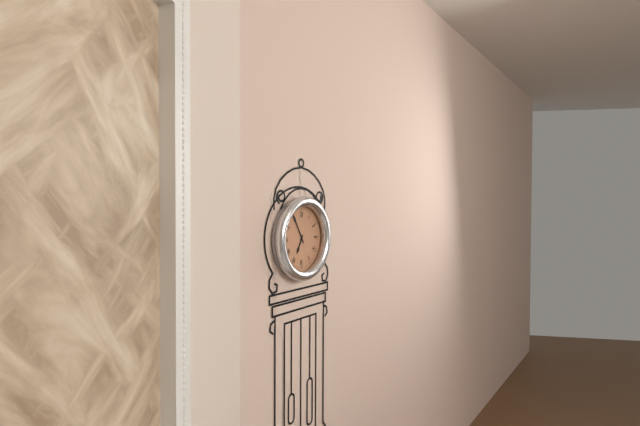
6:55
